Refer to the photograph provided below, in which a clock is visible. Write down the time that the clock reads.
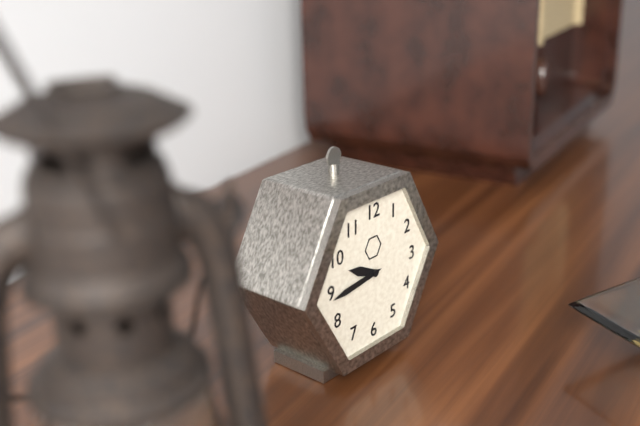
9:44
